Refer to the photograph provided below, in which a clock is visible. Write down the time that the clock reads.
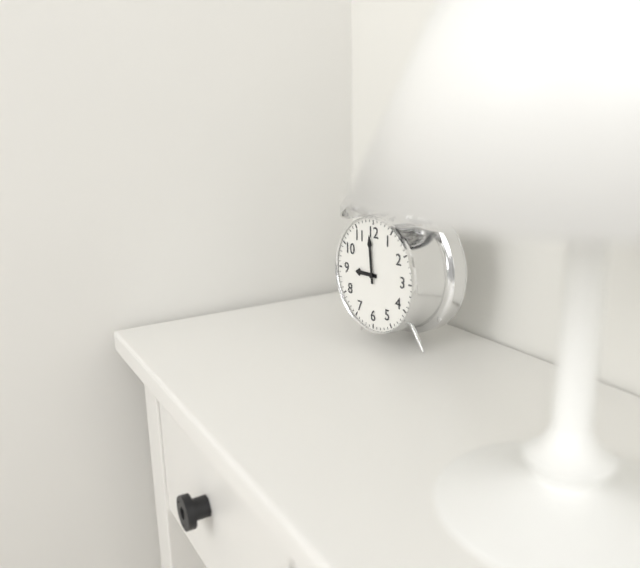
8:59
